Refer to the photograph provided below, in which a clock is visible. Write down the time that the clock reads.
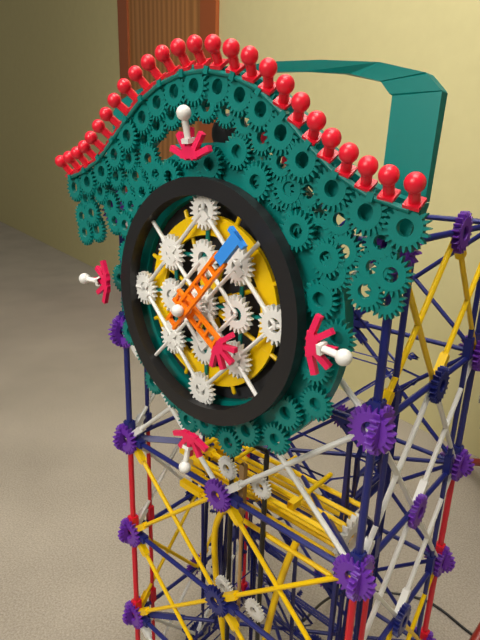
4:07
